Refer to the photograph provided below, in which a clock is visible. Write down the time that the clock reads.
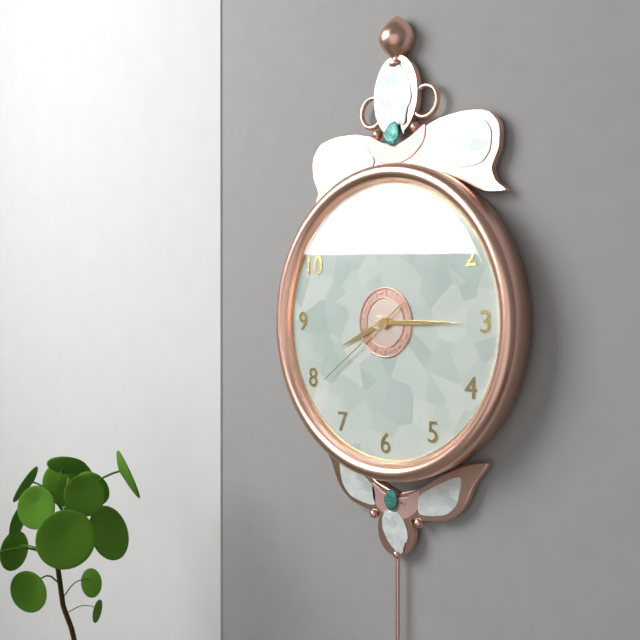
8:15:39
